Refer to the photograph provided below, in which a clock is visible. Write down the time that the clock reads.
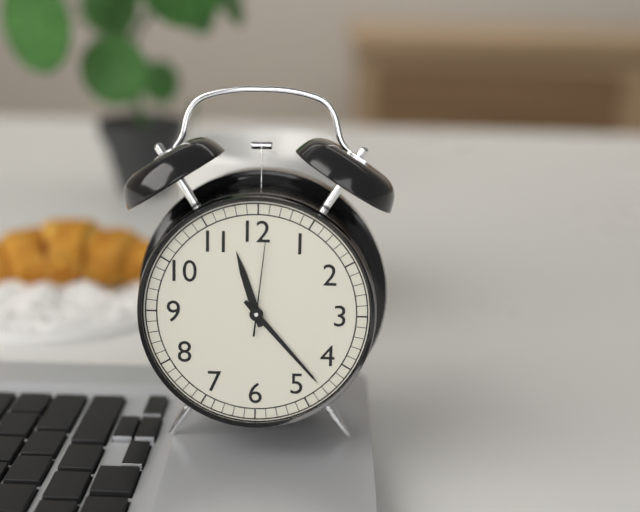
11:23:01
